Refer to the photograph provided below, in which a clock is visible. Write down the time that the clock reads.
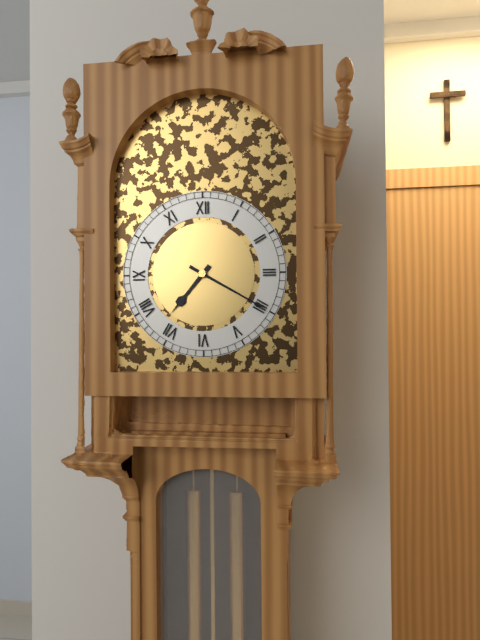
7:20
